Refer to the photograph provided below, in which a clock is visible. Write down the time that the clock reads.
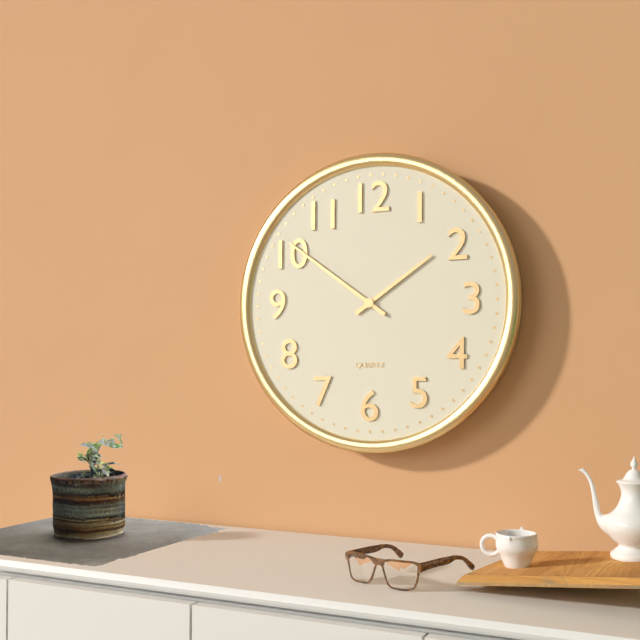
1:51
